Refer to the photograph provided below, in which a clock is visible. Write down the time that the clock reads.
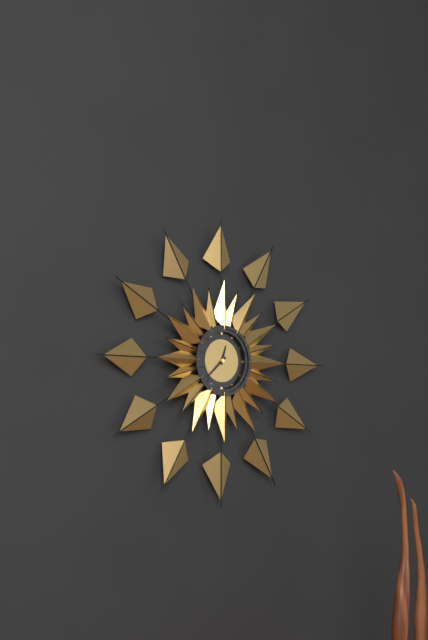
12:38
